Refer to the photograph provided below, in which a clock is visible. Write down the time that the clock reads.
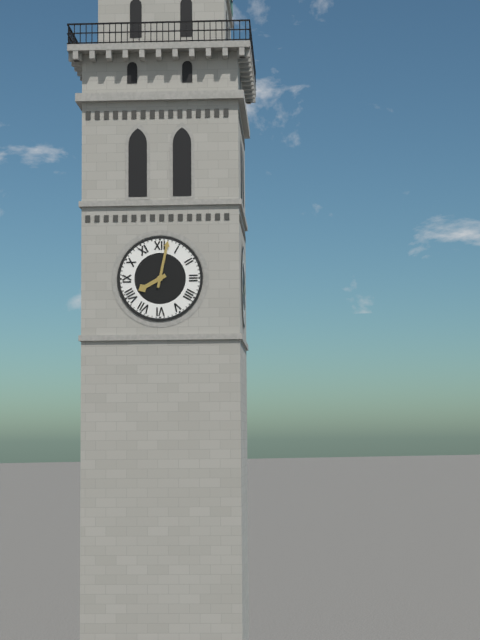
8:02
